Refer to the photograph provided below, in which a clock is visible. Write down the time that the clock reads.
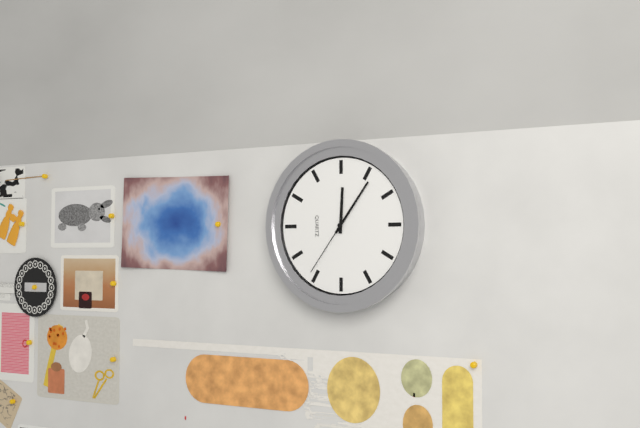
12:06:36
